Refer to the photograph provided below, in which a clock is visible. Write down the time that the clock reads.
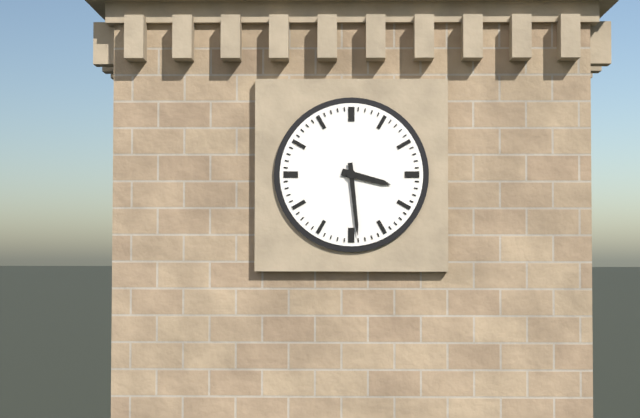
3:29
